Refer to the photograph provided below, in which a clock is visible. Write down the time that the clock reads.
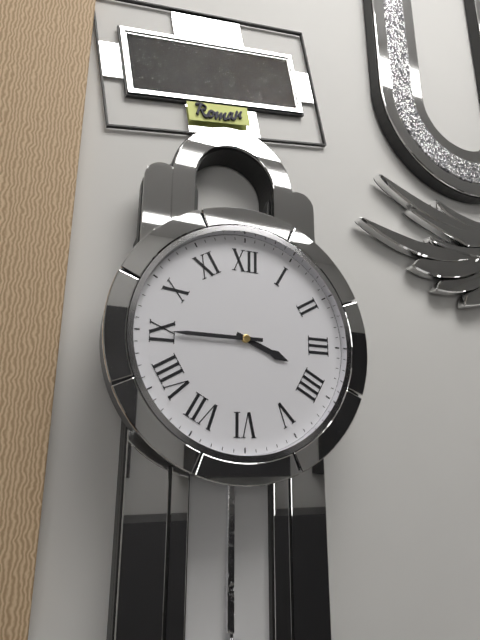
3:45
